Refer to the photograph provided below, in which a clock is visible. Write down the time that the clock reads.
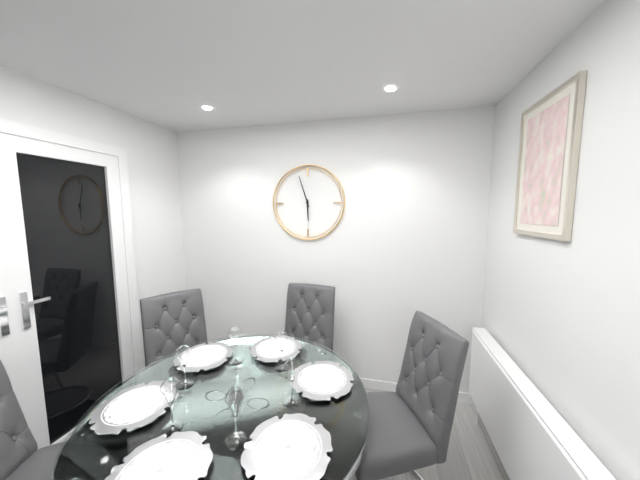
5:57
